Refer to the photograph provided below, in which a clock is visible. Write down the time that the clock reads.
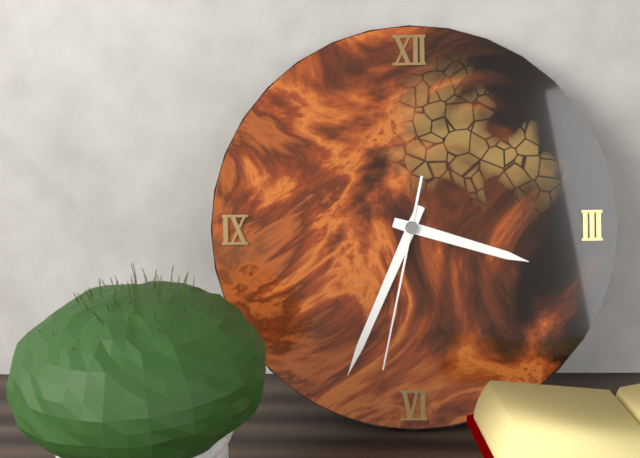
3:34:32
